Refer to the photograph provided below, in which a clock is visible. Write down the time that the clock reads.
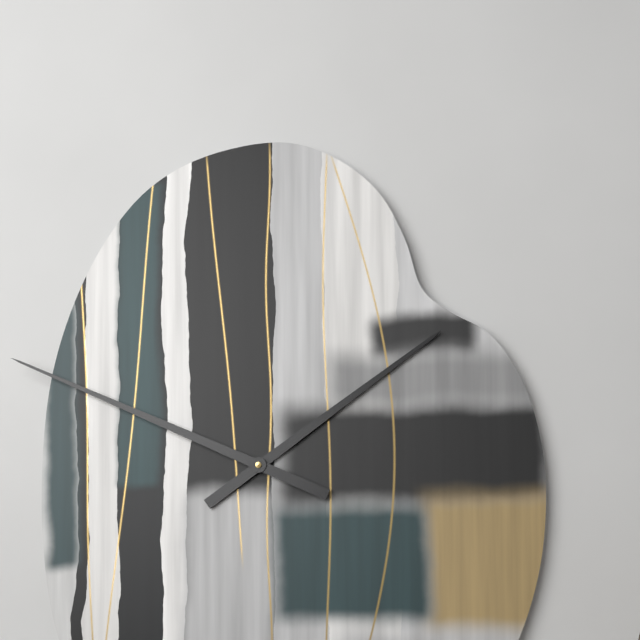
1:49
